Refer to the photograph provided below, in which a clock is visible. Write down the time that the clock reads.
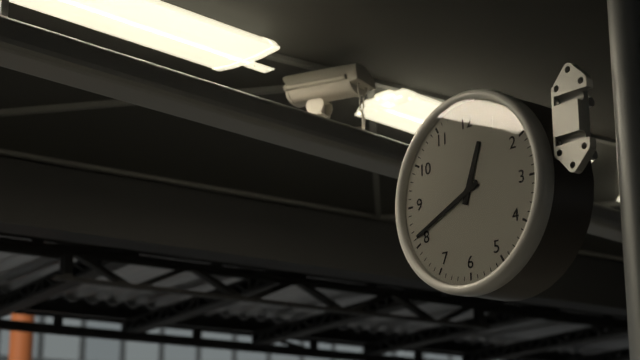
12:41
